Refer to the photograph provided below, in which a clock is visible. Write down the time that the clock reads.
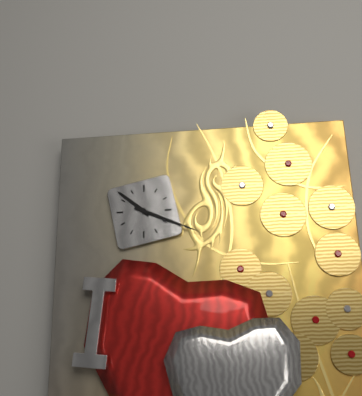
10:19
